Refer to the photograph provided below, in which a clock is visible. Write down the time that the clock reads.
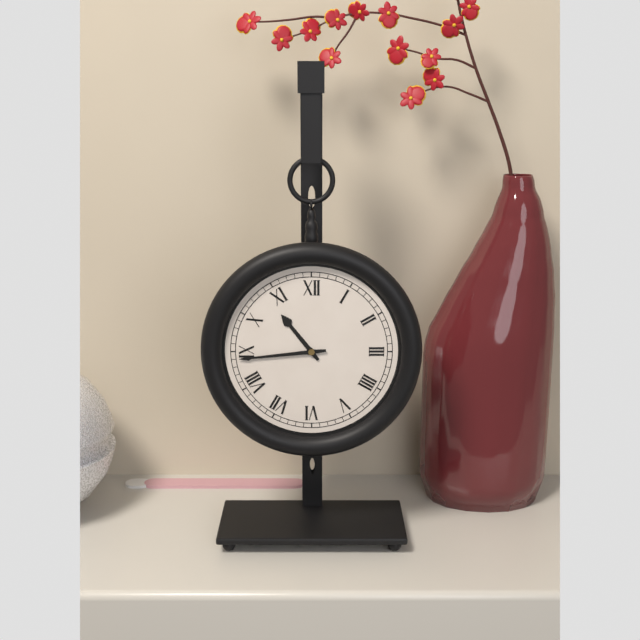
10:44
